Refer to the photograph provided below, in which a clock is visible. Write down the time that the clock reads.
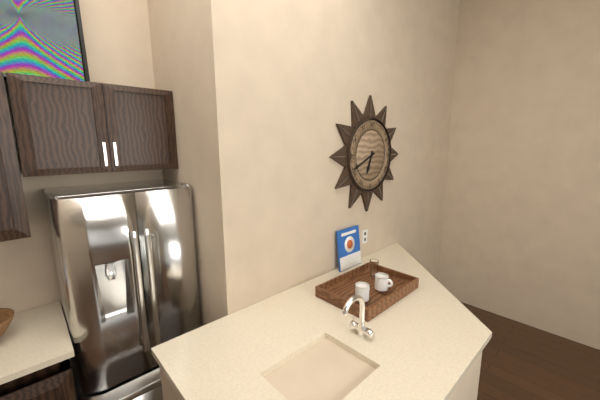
6:41
